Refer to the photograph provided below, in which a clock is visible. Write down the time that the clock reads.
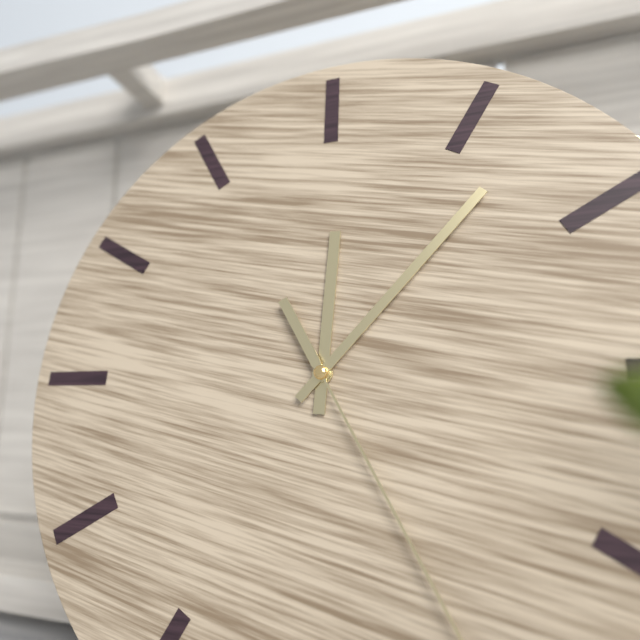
12:07
